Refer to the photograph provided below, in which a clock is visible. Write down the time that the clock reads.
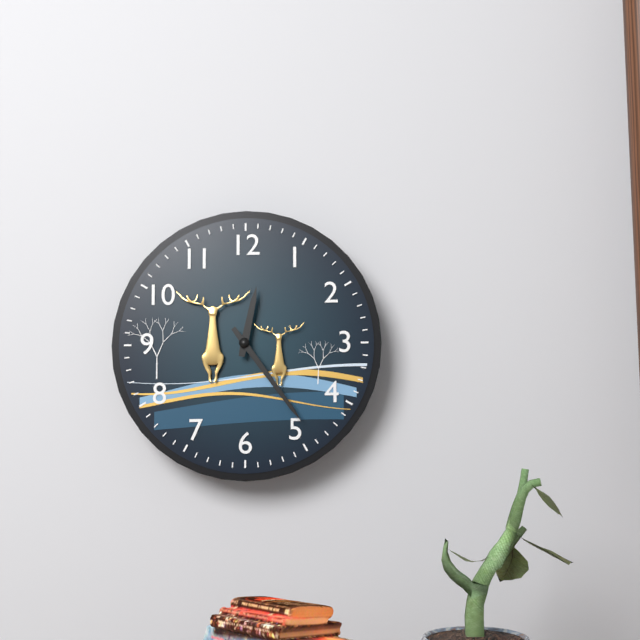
12:24
